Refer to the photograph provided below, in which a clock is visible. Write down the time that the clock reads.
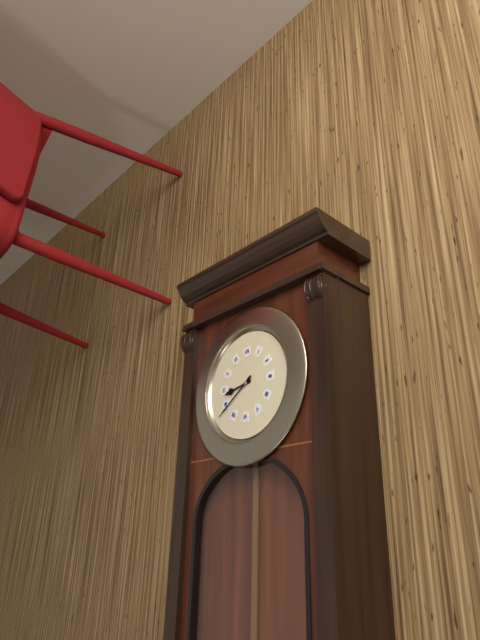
8:39
